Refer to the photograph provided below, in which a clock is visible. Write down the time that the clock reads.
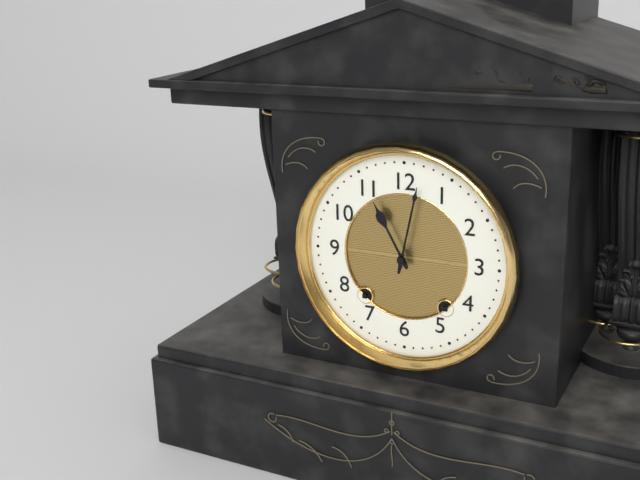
11:02
